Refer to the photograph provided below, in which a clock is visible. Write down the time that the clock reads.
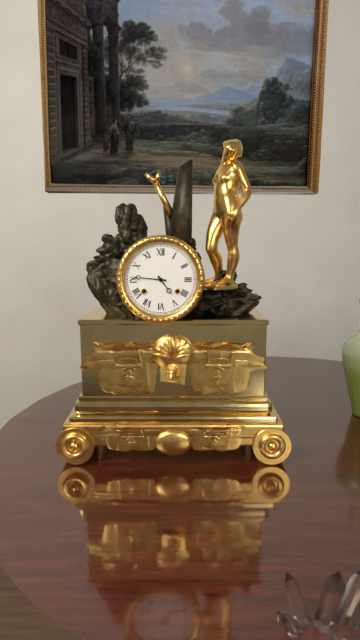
4:46
